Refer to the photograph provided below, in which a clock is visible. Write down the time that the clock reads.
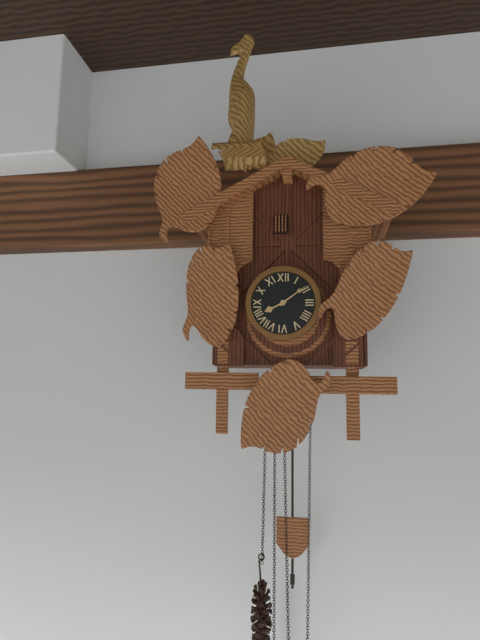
8:09
